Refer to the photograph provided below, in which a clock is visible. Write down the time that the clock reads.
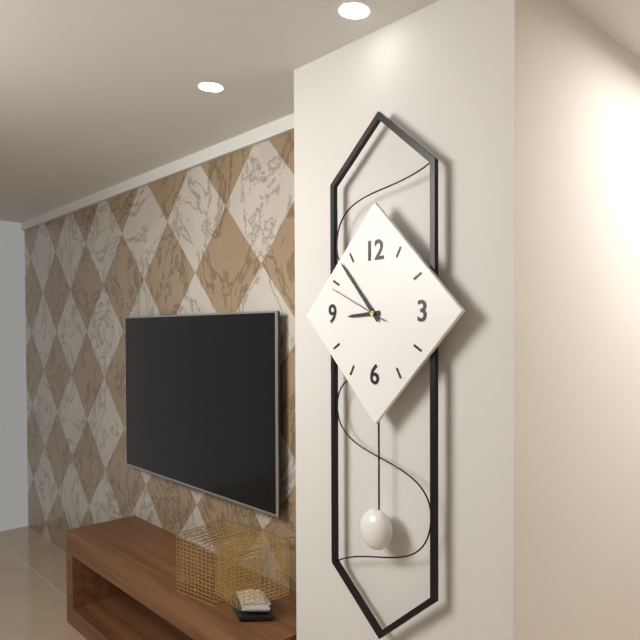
8:53:49
